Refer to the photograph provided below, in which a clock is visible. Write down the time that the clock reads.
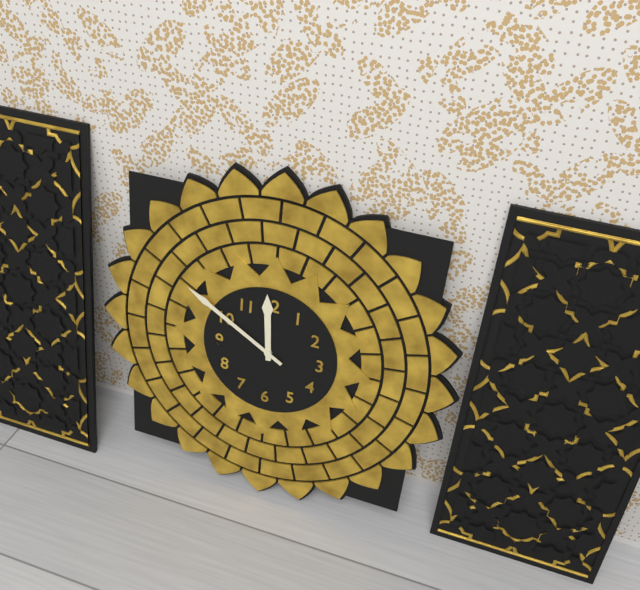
11:50
